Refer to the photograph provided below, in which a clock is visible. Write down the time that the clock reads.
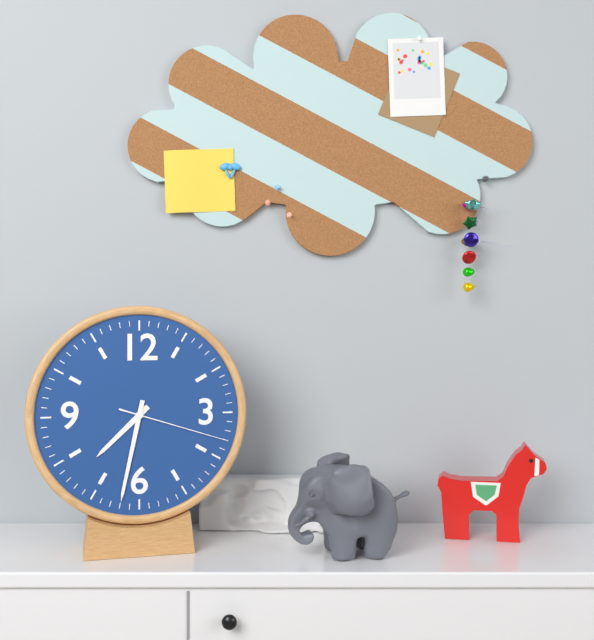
7:32:18
